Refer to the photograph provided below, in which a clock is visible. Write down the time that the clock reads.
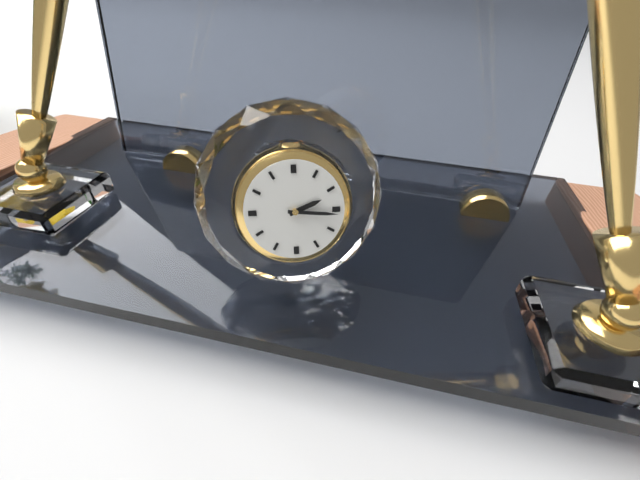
2:16
